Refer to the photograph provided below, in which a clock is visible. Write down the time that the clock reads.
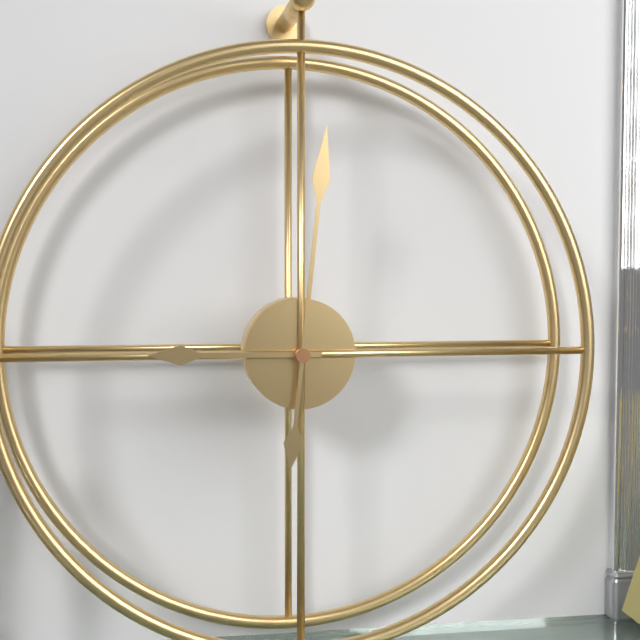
9:01
